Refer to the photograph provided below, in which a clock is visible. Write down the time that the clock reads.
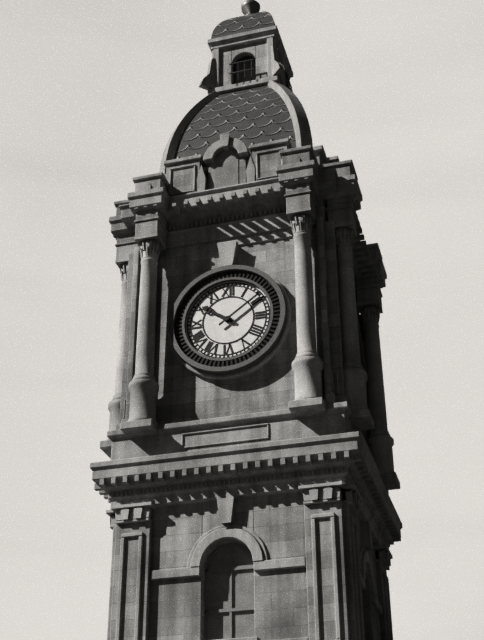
10:09
